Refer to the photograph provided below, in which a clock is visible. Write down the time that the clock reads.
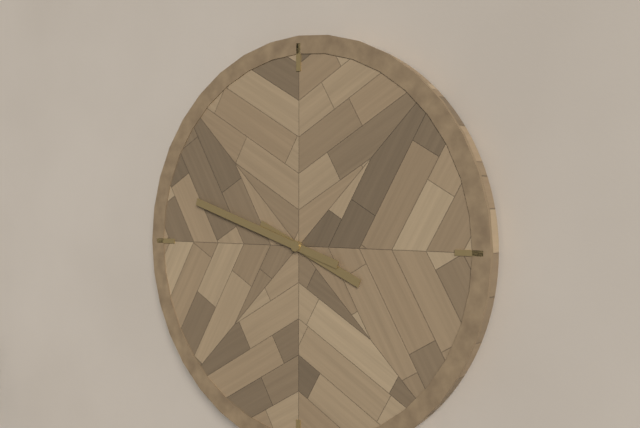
3:48
